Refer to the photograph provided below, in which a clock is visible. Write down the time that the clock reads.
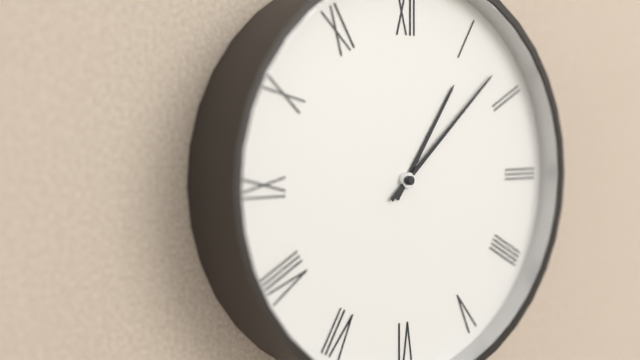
1:08
